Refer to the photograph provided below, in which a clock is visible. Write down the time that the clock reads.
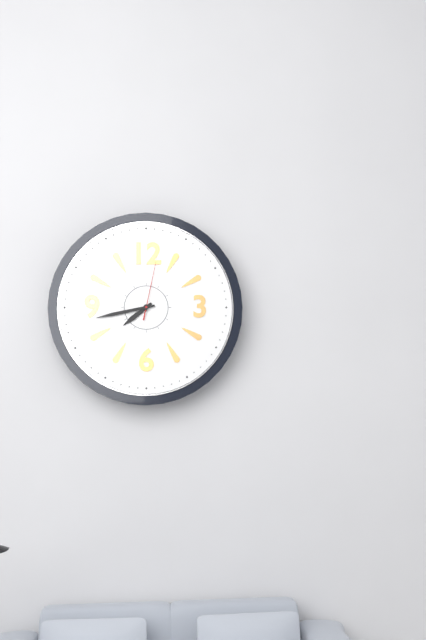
7:43:02
